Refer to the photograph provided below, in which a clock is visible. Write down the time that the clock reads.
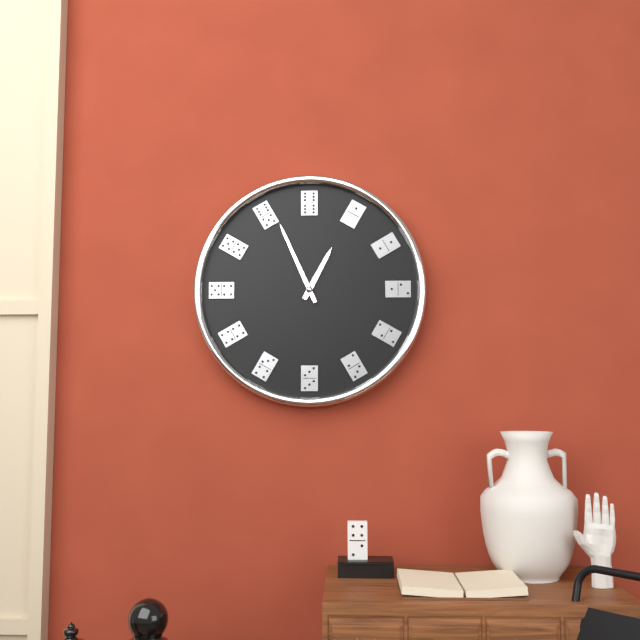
12:56
